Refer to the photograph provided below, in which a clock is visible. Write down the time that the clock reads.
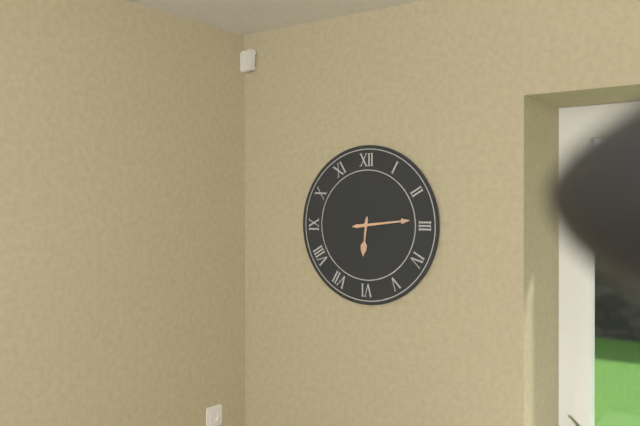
6:14
